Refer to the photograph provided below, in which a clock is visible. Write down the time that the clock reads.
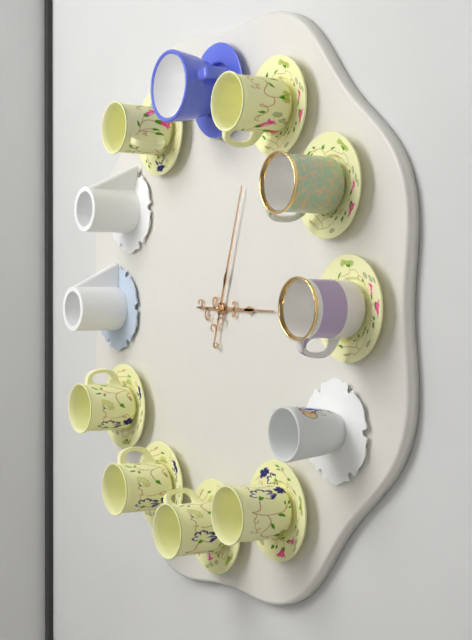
3:03
